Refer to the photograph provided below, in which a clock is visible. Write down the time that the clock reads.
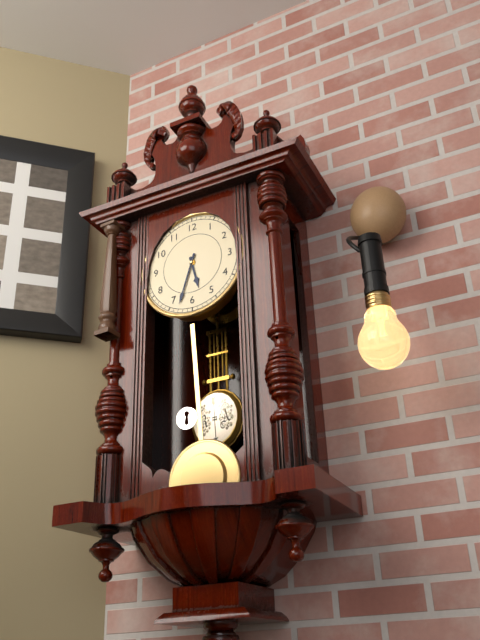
5:33
